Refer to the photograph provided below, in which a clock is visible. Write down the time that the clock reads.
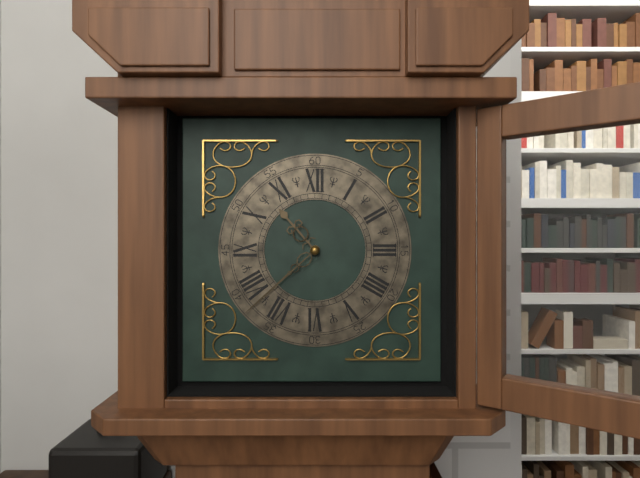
10:38
